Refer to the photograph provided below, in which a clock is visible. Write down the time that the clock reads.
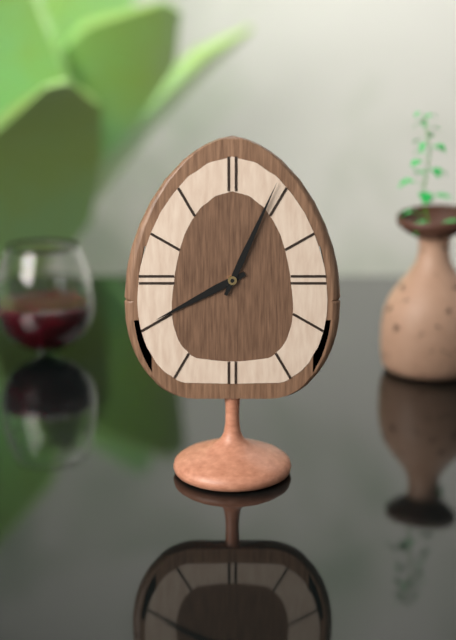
8:04
